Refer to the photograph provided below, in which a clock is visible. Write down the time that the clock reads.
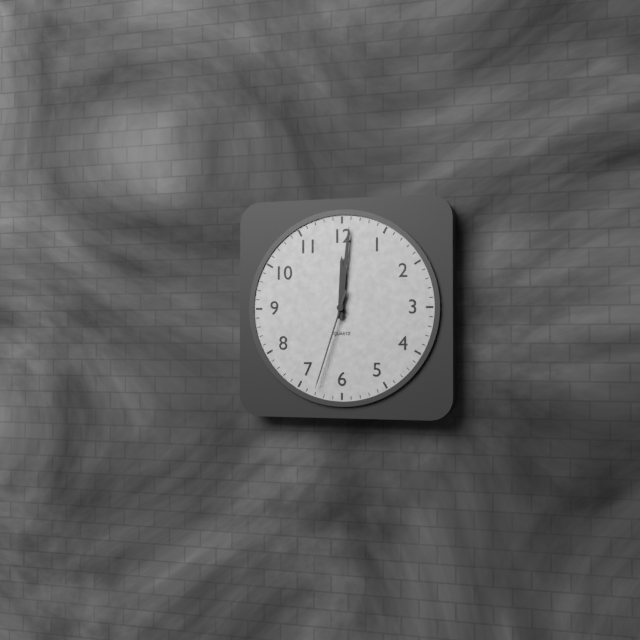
12:01:33
